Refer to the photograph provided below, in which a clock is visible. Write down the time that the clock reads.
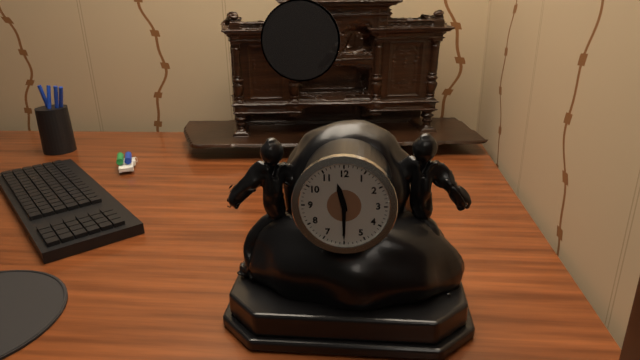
11:30
